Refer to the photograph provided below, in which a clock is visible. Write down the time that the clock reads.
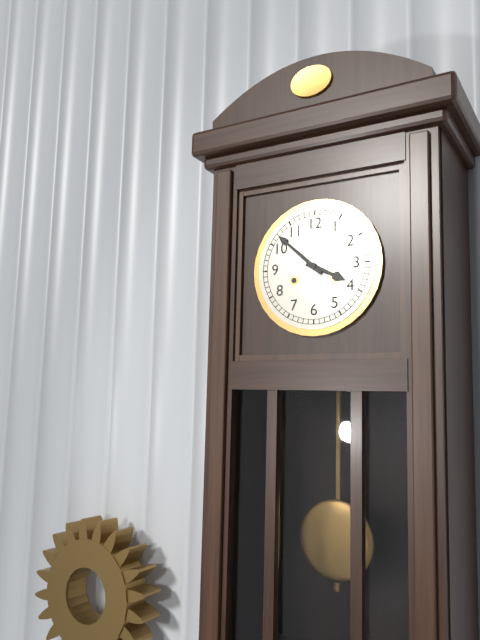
3:52
